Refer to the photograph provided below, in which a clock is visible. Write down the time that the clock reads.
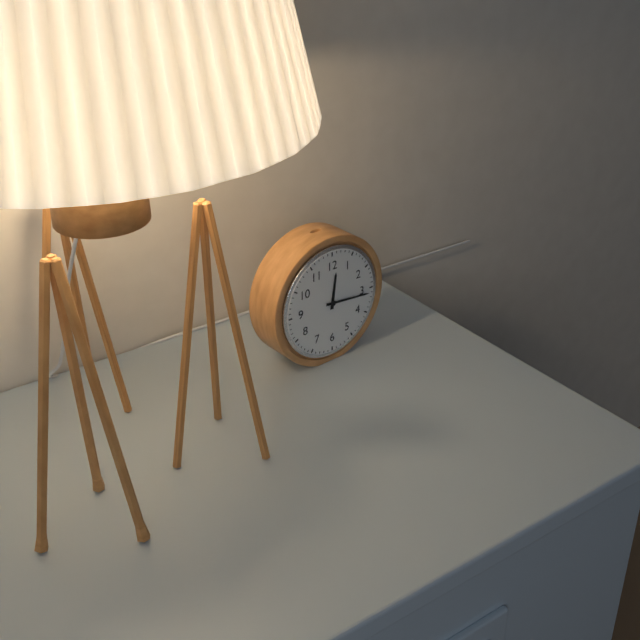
12:16
